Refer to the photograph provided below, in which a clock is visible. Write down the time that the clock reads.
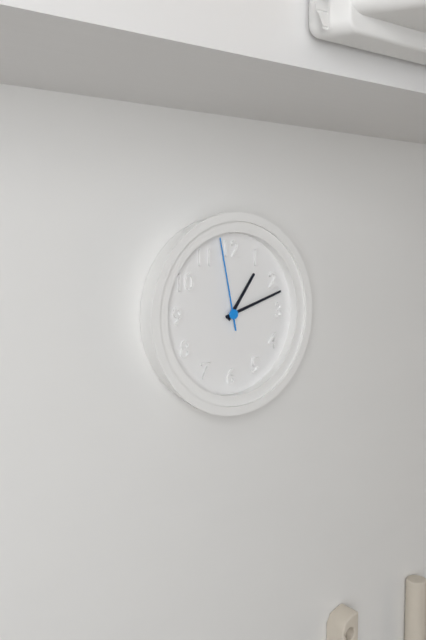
1:12:58
